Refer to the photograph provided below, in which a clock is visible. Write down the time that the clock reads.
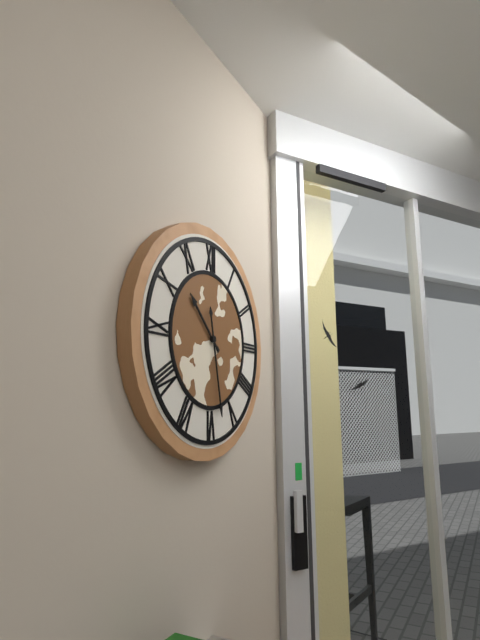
10:28
